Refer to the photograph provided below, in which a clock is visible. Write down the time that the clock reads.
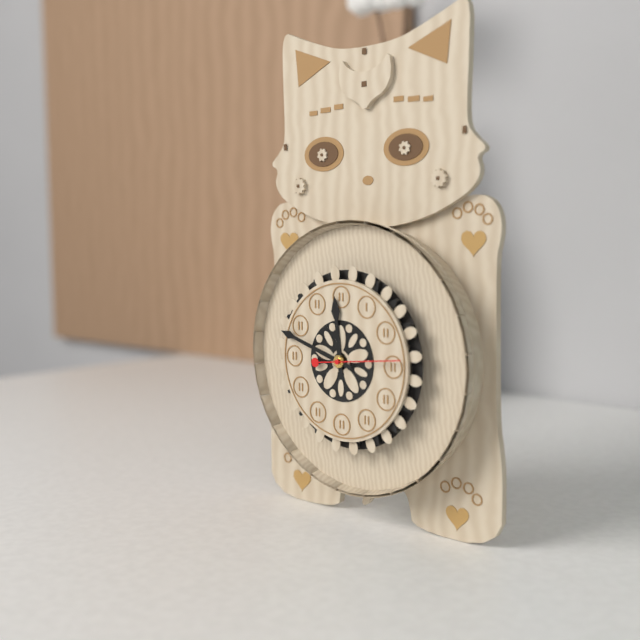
11:48
